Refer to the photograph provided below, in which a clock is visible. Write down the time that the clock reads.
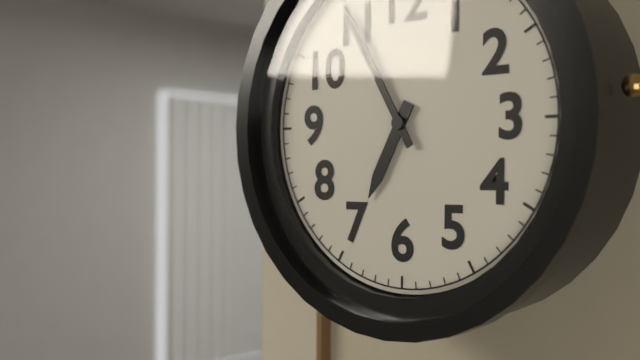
6:55
